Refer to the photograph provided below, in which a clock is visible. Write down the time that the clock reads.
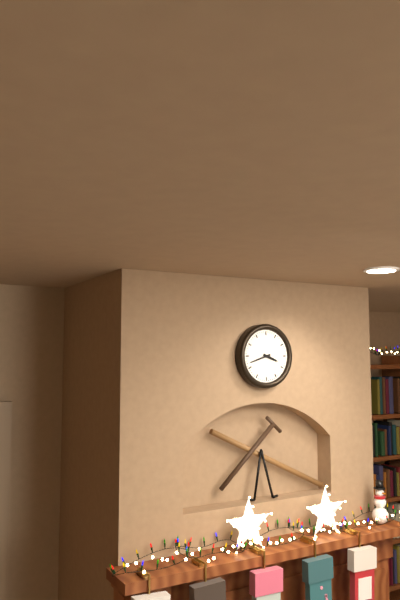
3:42
